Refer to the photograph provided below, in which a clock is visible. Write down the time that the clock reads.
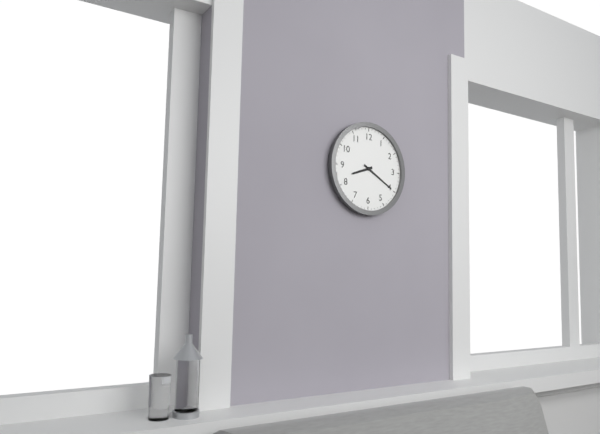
8:20
